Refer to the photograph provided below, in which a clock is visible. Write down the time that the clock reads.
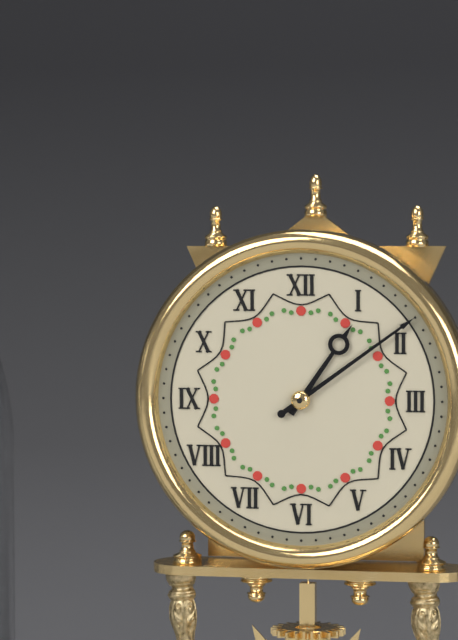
1:09
